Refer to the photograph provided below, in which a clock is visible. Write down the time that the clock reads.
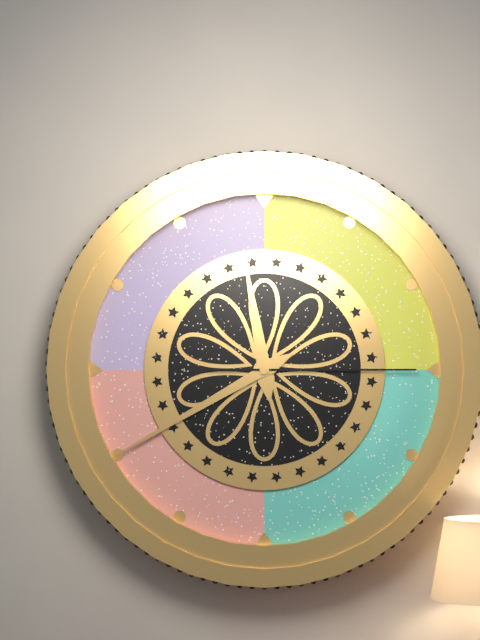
11:40:15
